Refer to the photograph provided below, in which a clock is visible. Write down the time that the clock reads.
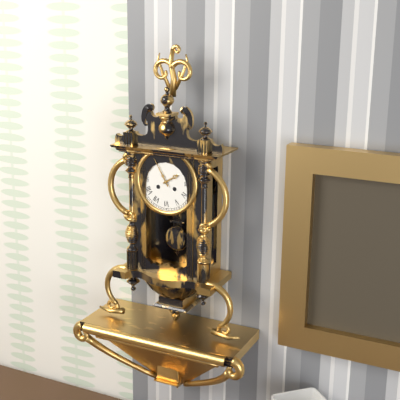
1:55
